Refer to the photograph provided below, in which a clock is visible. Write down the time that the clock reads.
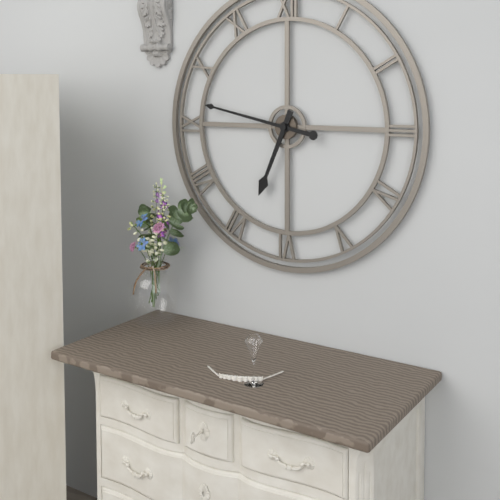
6:47
